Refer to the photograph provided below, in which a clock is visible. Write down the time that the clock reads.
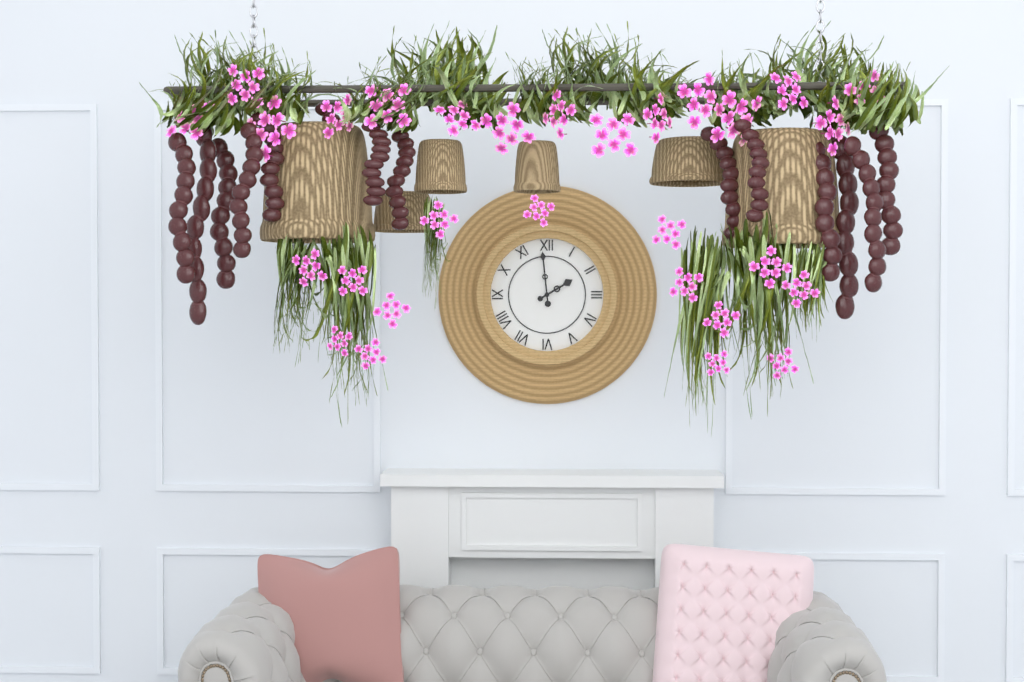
1:59
